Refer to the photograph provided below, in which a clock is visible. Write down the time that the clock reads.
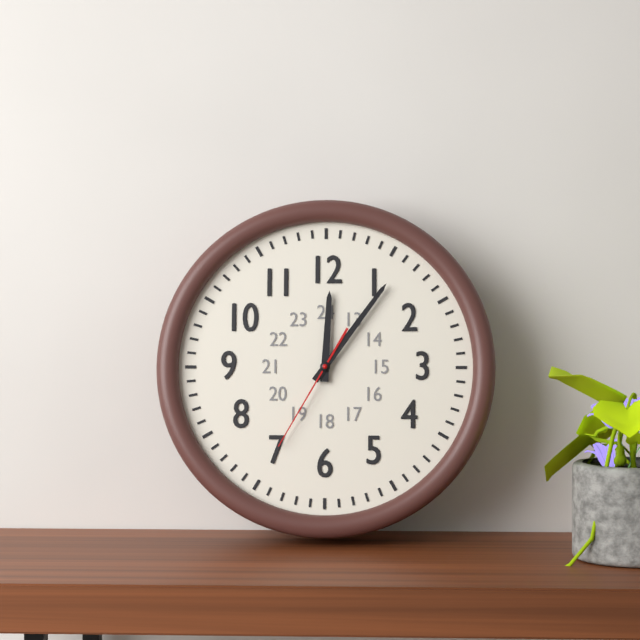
12:06:35
